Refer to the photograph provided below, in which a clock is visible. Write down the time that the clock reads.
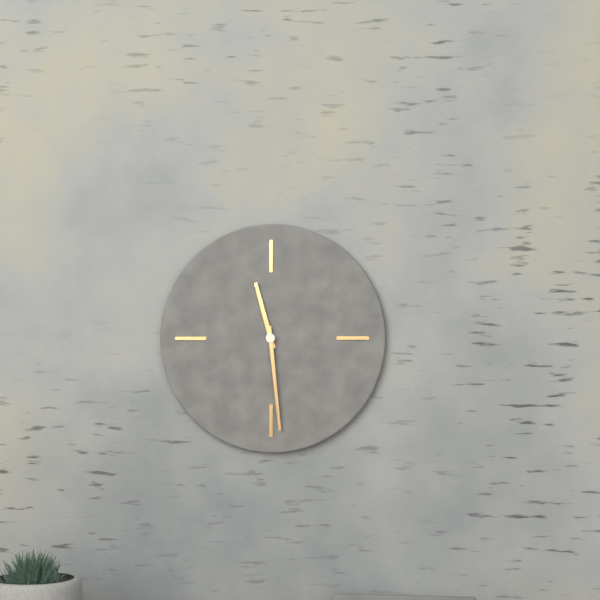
11:29
